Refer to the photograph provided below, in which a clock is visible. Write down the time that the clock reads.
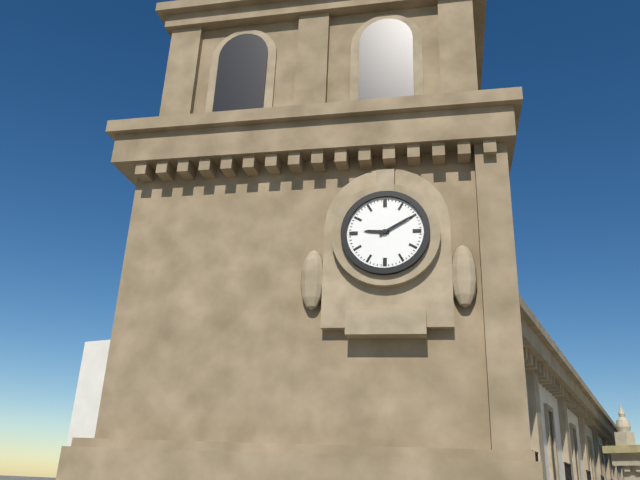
9:10
